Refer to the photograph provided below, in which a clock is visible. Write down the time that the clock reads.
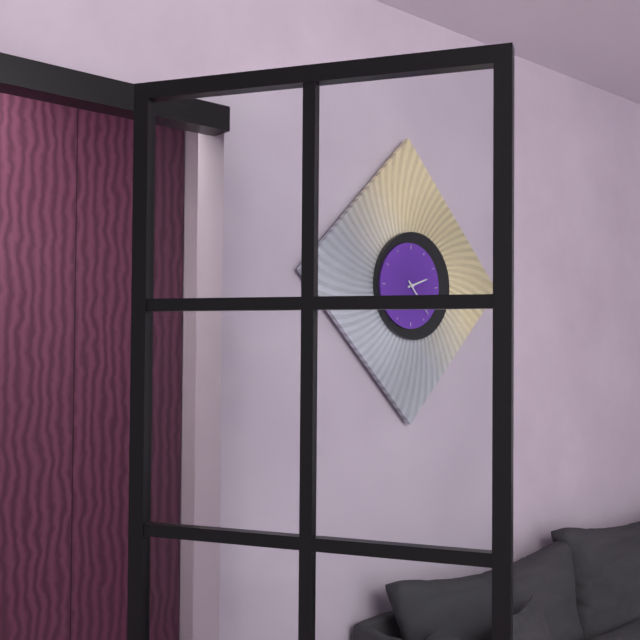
2:23
